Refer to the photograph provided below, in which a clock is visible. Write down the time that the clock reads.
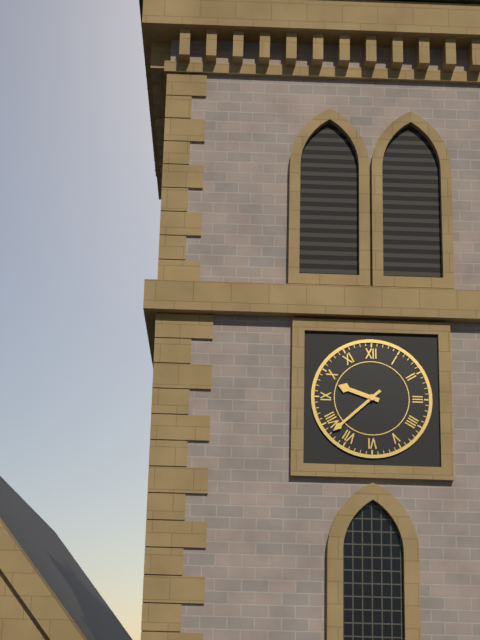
9:38
